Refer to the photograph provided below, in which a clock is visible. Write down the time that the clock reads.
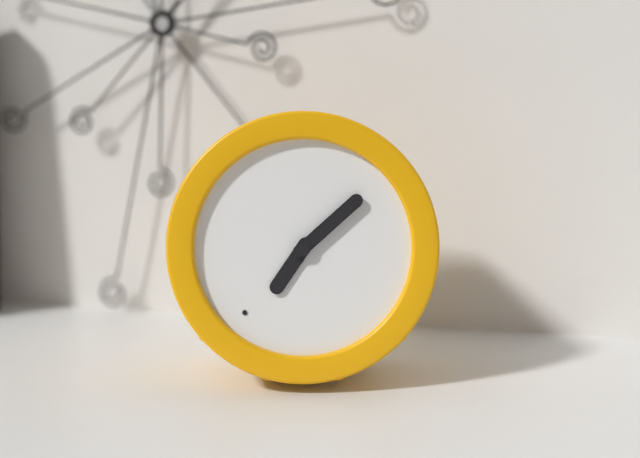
7:08
